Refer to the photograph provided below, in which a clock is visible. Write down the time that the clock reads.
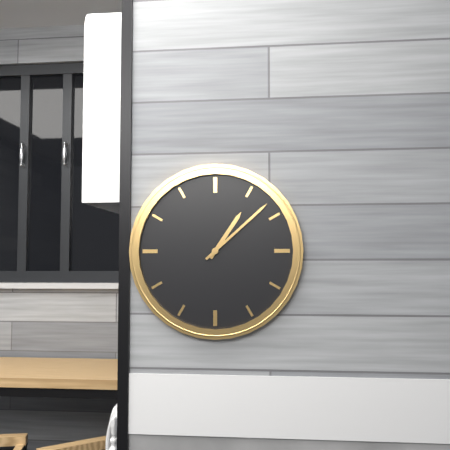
1:08
